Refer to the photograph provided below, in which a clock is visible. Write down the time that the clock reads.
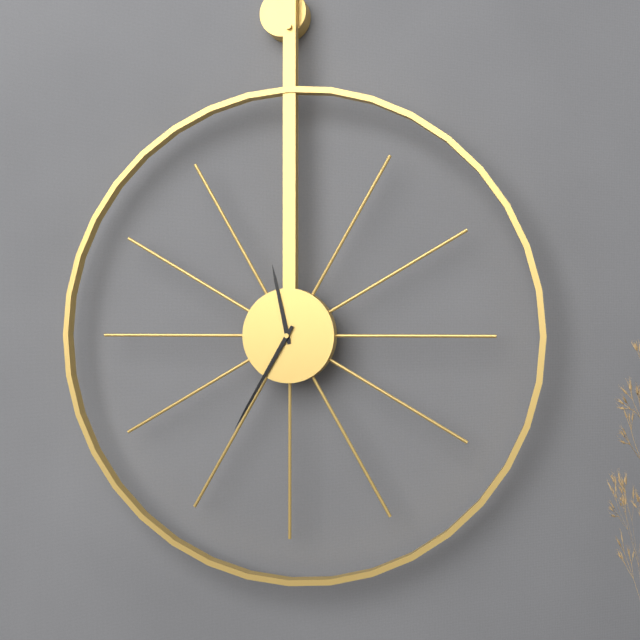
11:35
